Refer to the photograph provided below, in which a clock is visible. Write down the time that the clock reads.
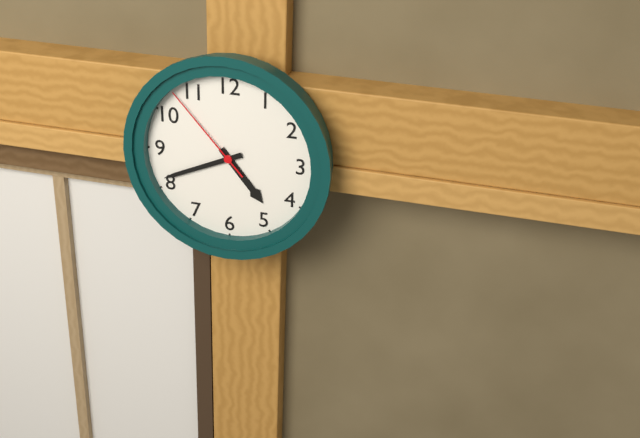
4:41:53
